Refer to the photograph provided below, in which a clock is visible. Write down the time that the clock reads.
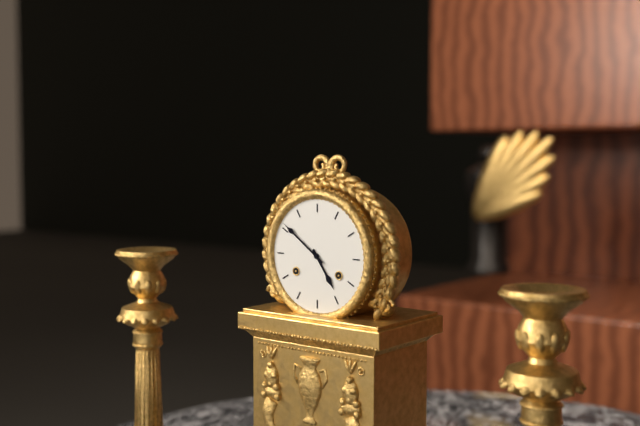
4:51
